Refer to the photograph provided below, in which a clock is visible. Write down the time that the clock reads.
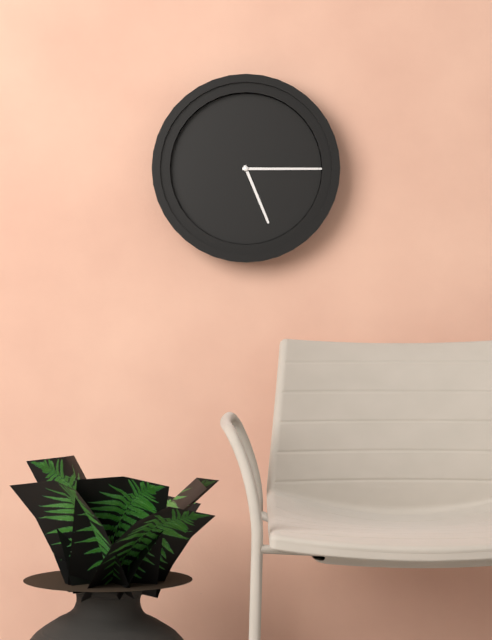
5:15
